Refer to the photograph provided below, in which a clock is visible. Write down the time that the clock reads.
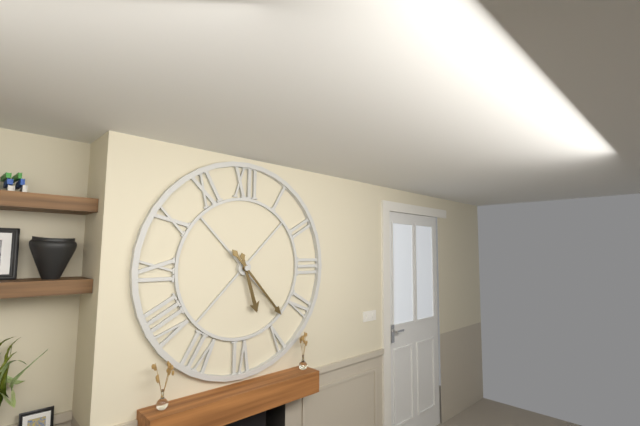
5:23
